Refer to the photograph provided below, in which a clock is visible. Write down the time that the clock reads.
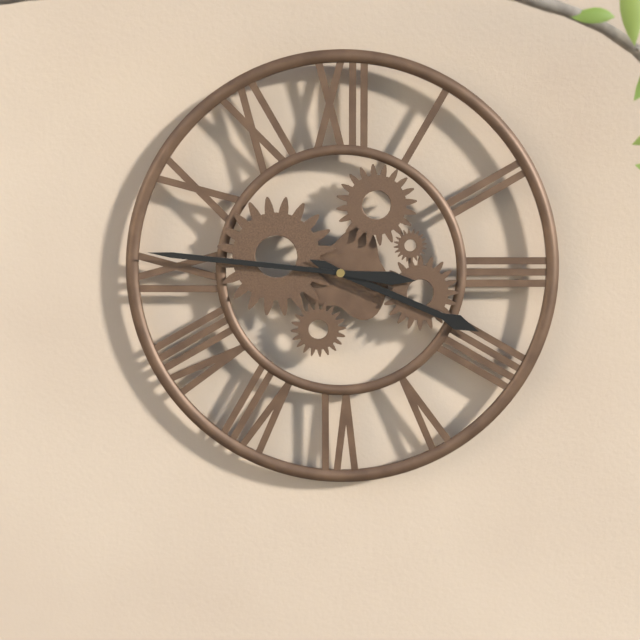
3:46
